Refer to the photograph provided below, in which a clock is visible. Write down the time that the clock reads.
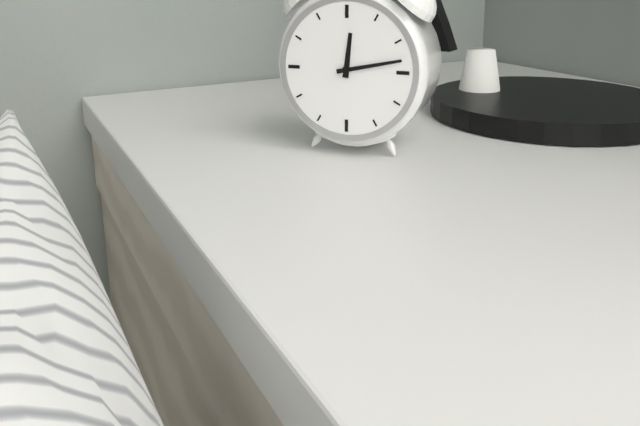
12:13
